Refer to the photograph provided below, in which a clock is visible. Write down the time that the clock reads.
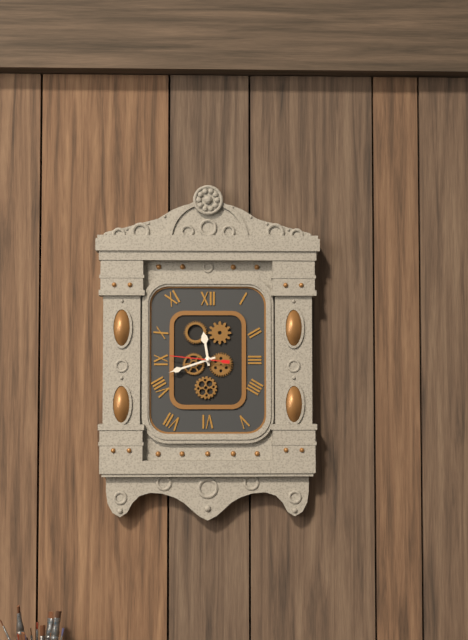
11:42
